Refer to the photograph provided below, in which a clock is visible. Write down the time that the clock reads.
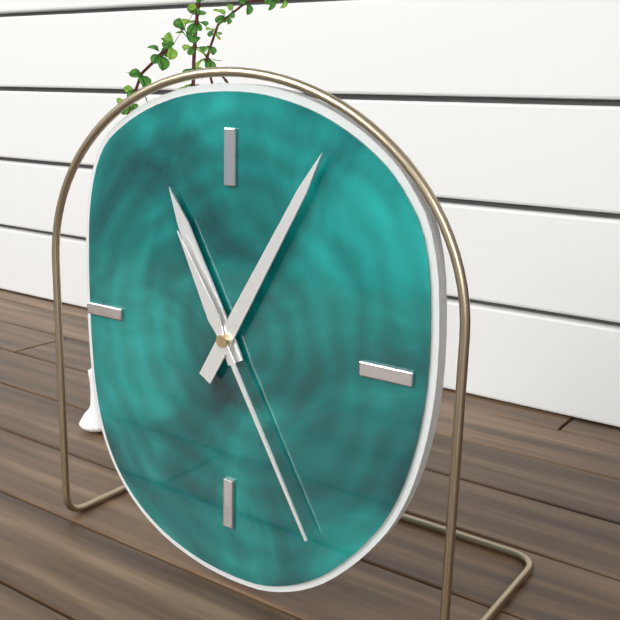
11:05:25
